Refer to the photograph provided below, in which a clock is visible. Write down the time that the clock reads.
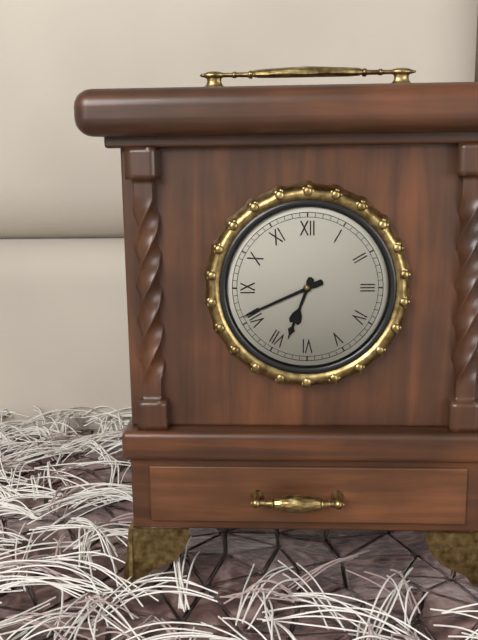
6:41
